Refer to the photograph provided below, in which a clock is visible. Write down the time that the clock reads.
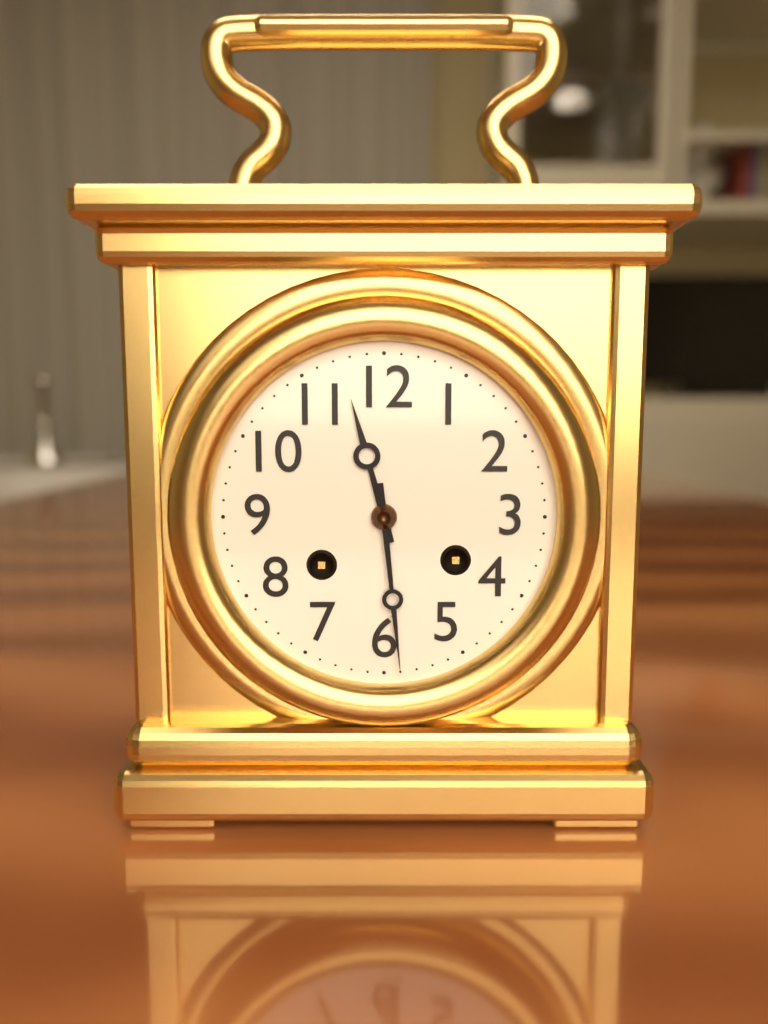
11:29
